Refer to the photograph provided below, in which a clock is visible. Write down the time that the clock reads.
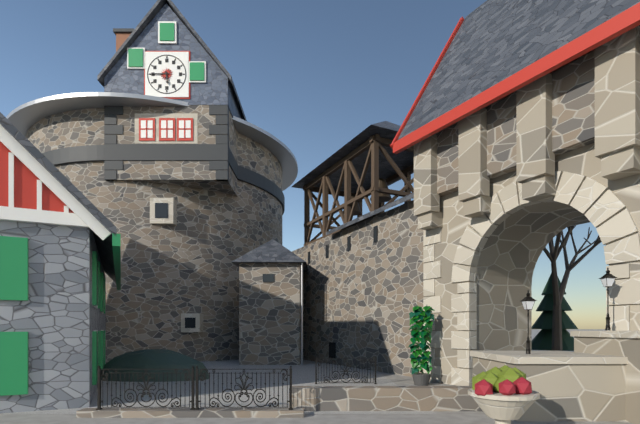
5:45
